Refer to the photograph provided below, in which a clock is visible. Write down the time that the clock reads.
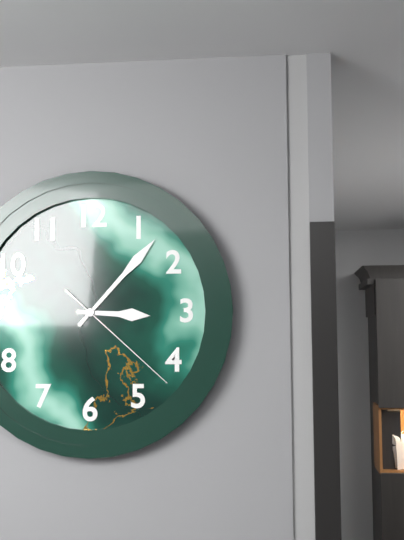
3:07:22
